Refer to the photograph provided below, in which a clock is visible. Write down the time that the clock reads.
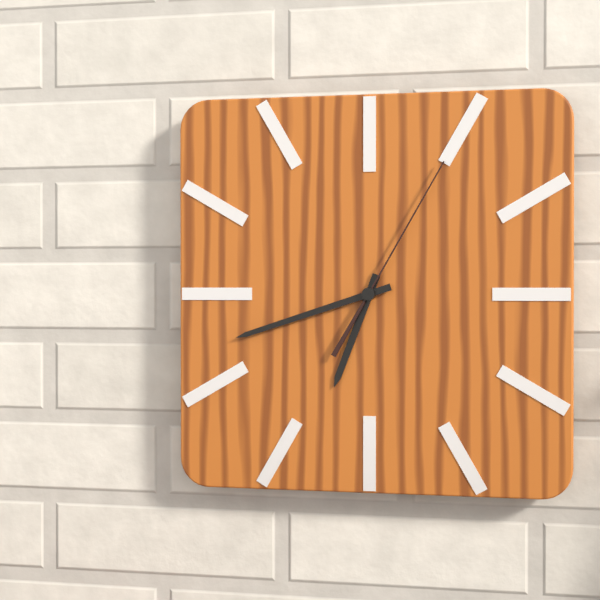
6:42:05
